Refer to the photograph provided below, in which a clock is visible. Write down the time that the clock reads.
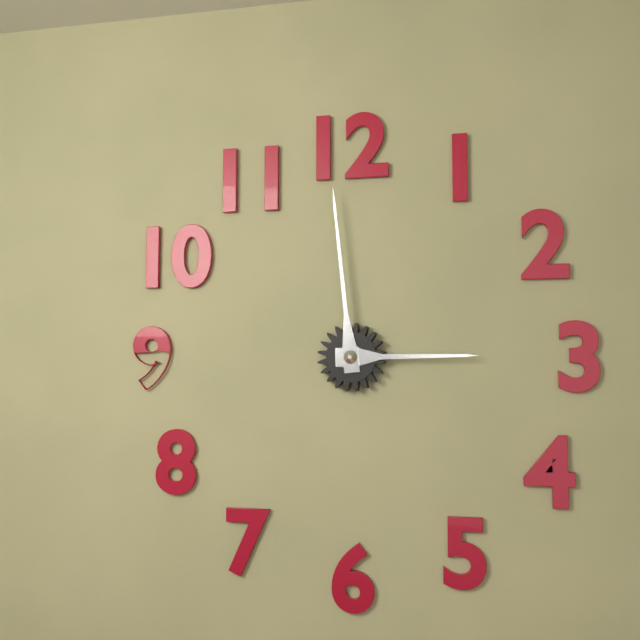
2:59
